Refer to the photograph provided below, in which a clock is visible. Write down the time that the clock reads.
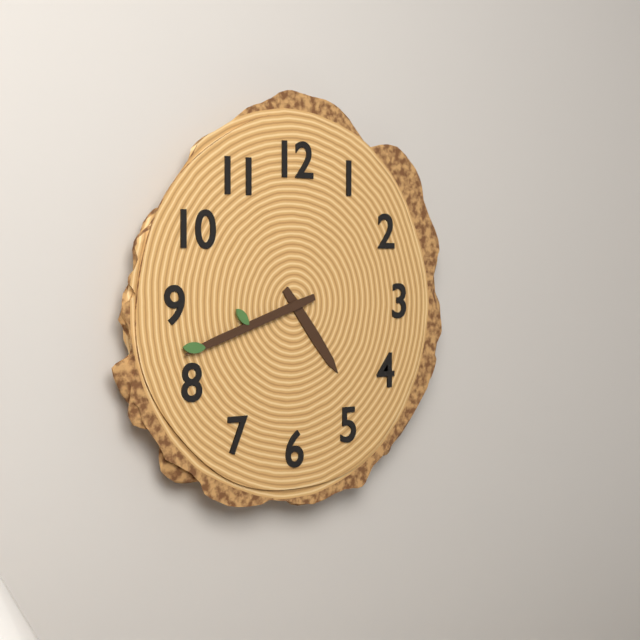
4:42
